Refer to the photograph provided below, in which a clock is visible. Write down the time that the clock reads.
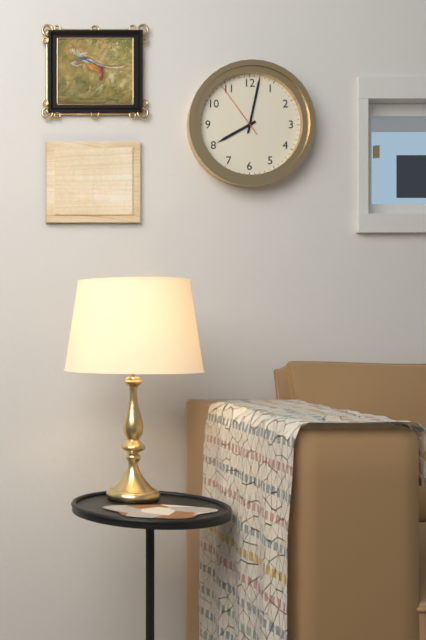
8:02:54
